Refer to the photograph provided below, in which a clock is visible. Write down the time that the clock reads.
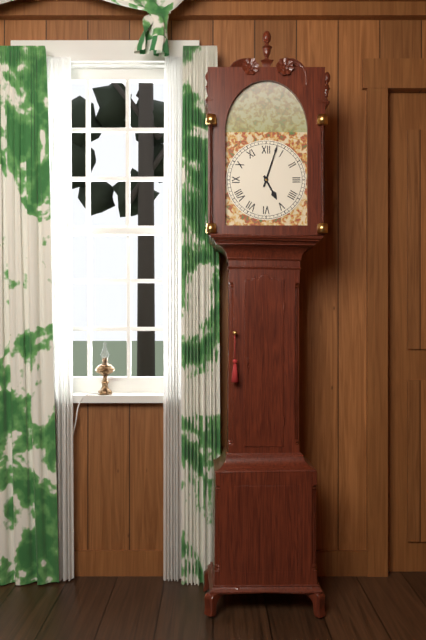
5:03
